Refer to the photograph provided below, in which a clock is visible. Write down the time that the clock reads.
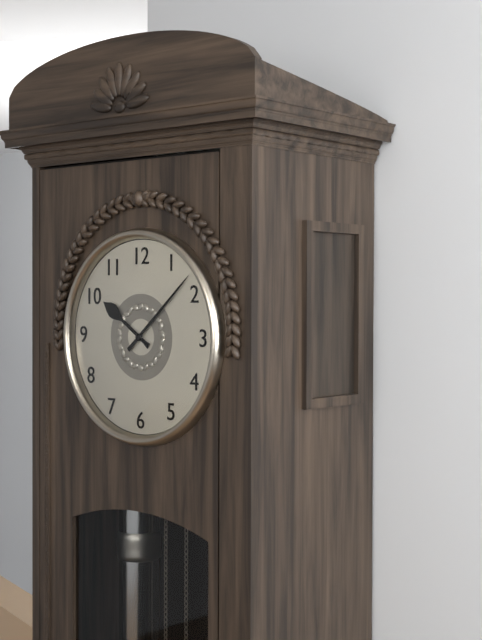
10:08
